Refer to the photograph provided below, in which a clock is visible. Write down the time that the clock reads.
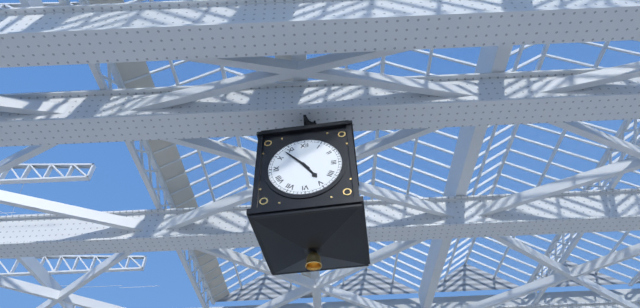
4:53
